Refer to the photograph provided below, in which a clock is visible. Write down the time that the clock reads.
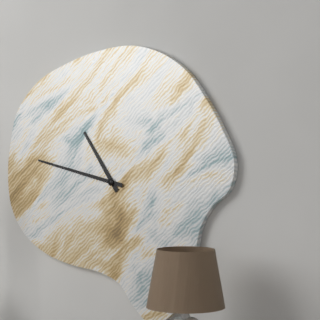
10:47
